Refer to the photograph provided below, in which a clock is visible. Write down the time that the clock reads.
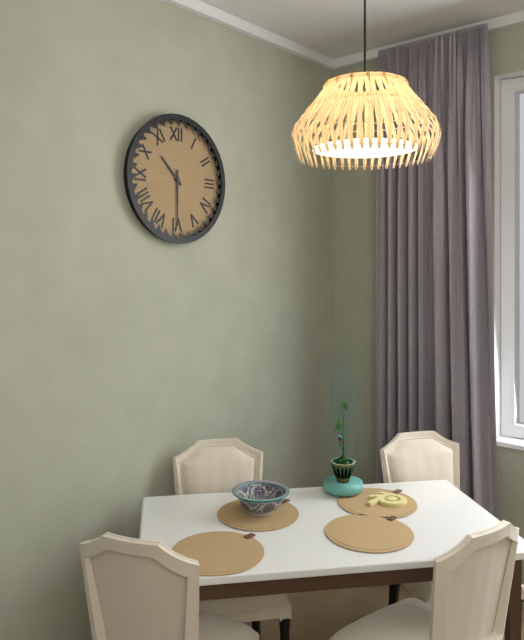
10:30
